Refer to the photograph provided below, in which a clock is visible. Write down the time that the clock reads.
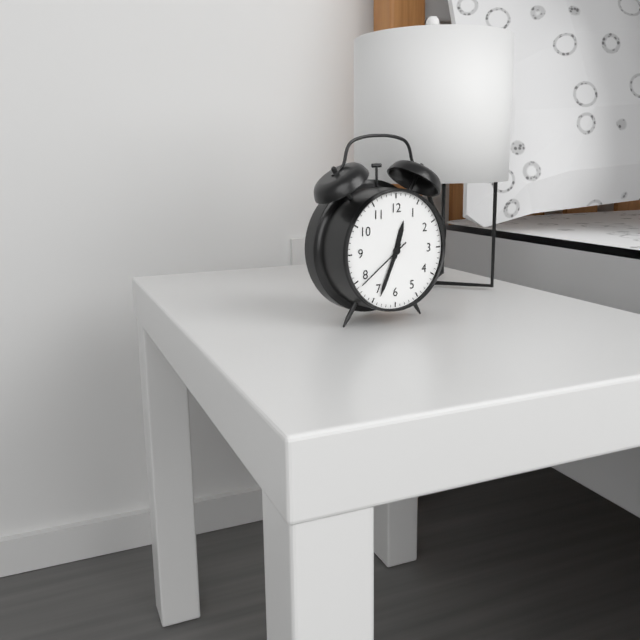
12:34:39
